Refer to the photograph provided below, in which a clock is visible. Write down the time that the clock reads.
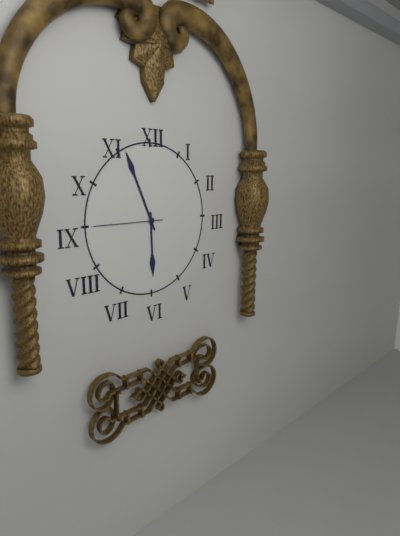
5:56:45
